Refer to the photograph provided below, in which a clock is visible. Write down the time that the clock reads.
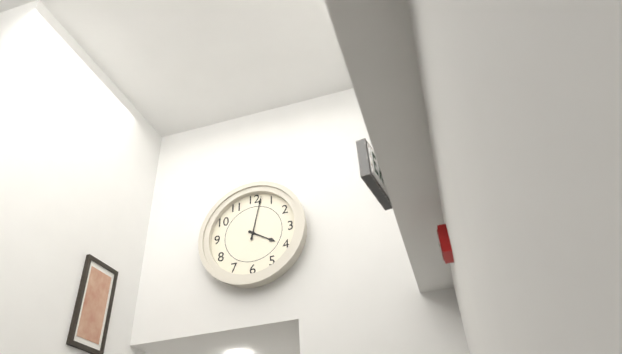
4:02
